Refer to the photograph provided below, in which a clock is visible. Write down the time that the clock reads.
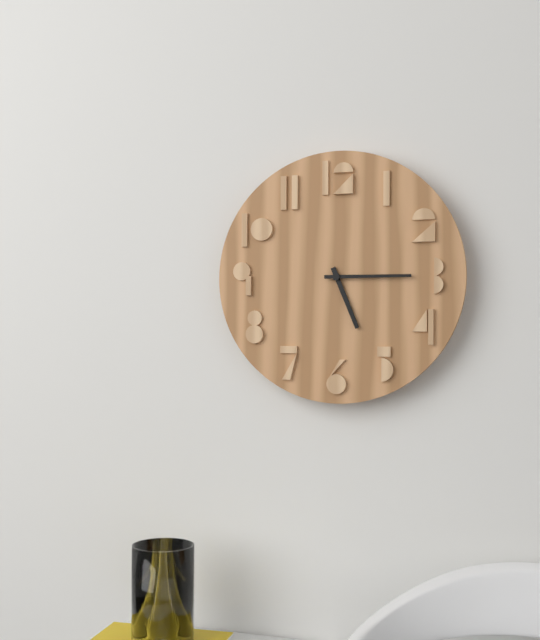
5:15
